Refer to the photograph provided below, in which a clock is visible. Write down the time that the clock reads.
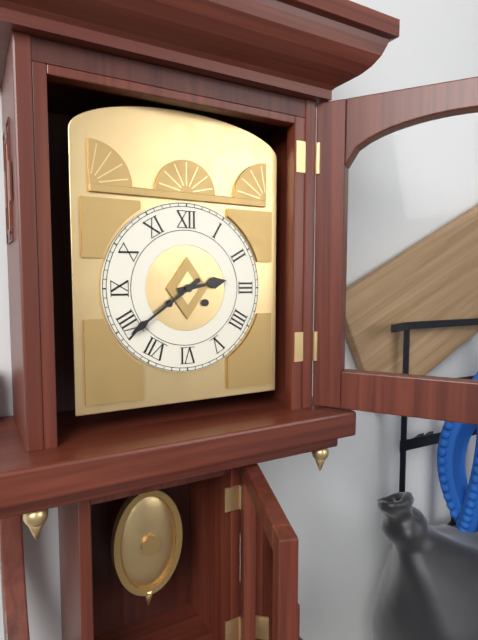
2:39
